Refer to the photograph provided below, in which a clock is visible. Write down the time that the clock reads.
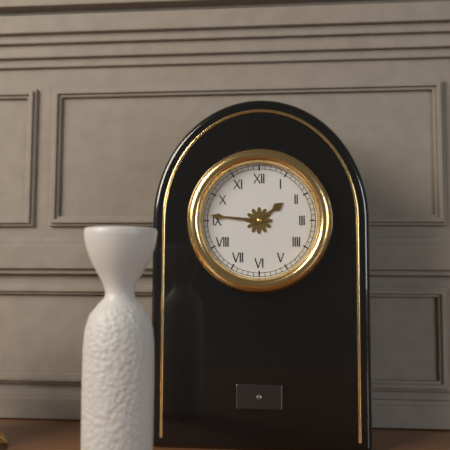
1:46
